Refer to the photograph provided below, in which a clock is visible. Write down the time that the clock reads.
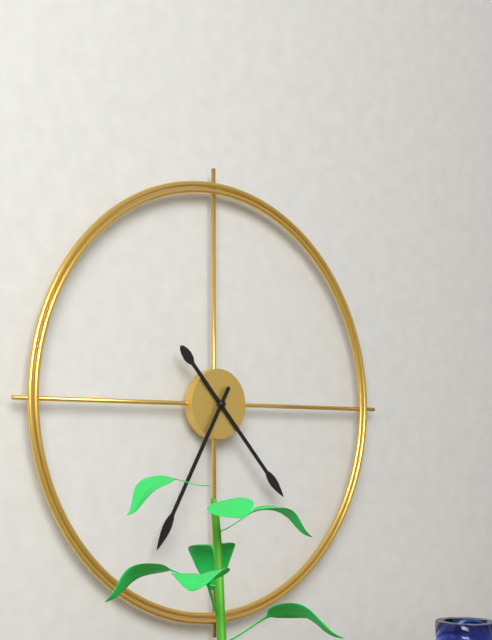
4:35
